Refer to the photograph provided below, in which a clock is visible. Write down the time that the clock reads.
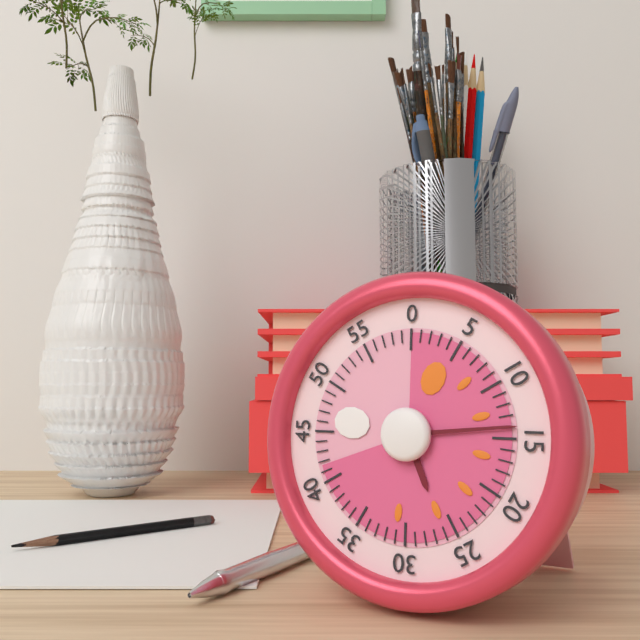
5:14
